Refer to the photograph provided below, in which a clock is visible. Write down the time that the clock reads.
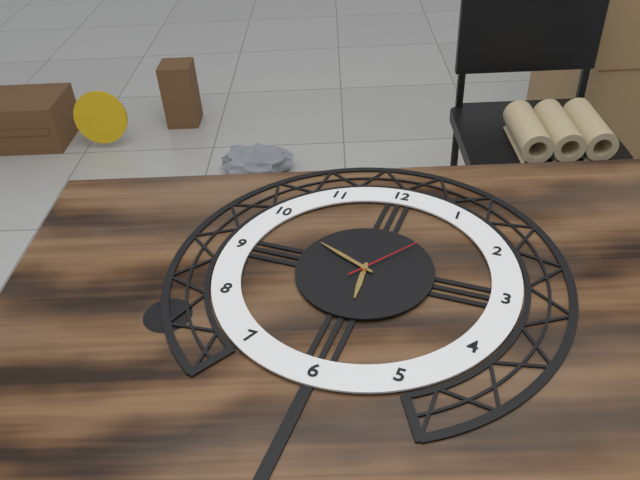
5:49:06
